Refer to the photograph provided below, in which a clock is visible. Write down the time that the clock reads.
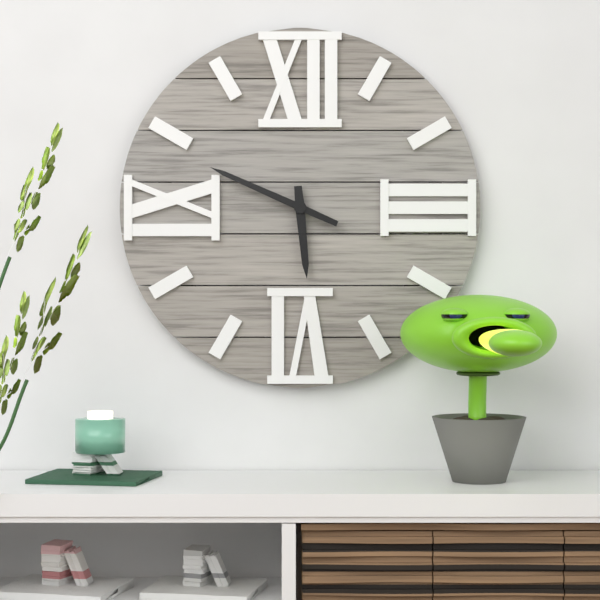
5:49
